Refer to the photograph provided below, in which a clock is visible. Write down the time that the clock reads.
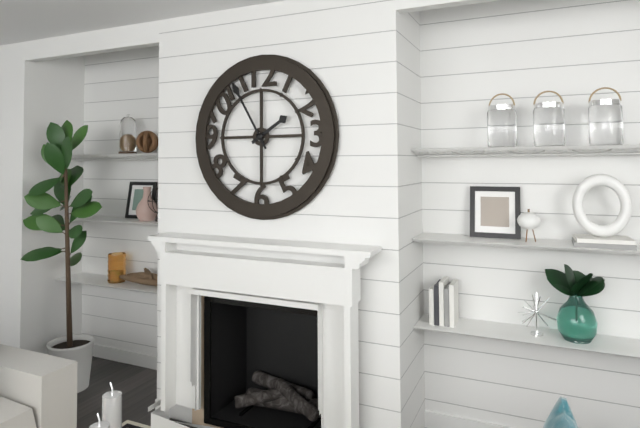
1:55
